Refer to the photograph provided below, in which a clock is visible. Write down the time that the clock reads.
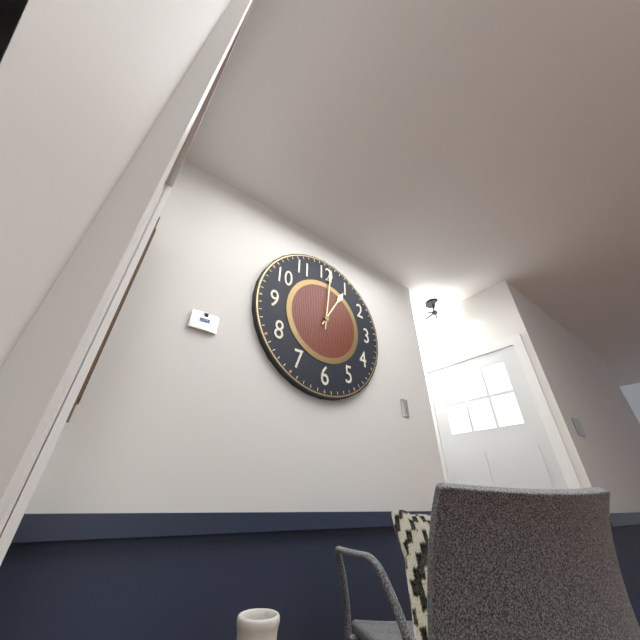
1:01
